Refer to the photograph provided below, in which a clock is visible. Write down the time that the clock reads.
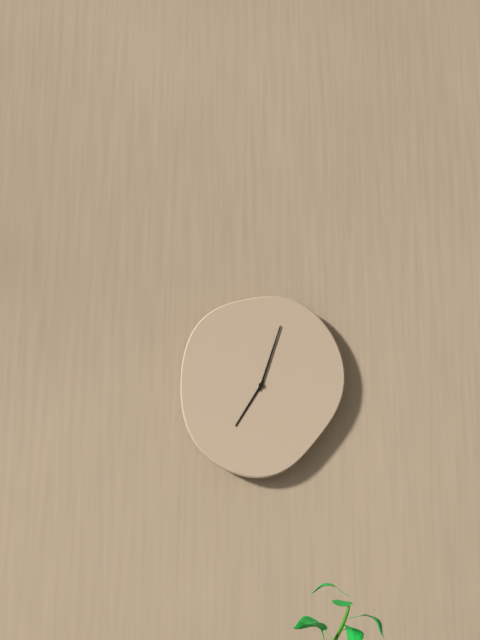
7:03
